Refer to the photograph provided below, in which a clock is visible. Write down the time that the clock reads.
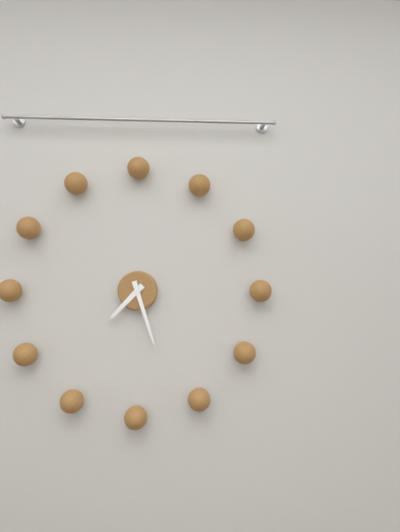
7:27
